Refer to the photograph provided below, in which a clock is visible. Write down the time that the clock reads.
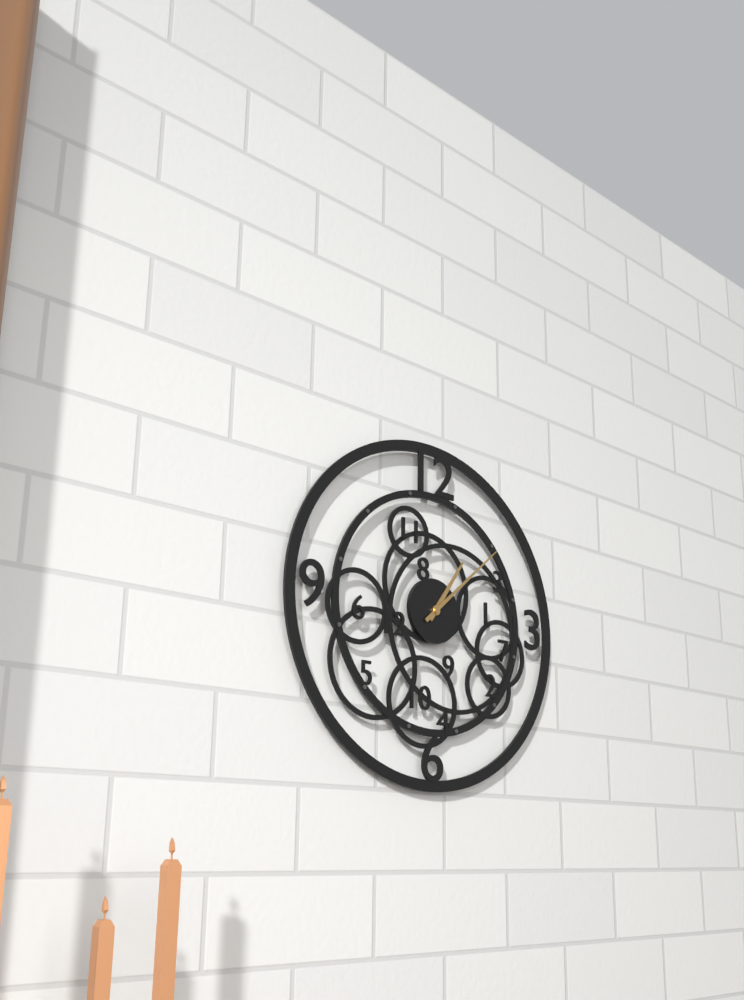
1:08
